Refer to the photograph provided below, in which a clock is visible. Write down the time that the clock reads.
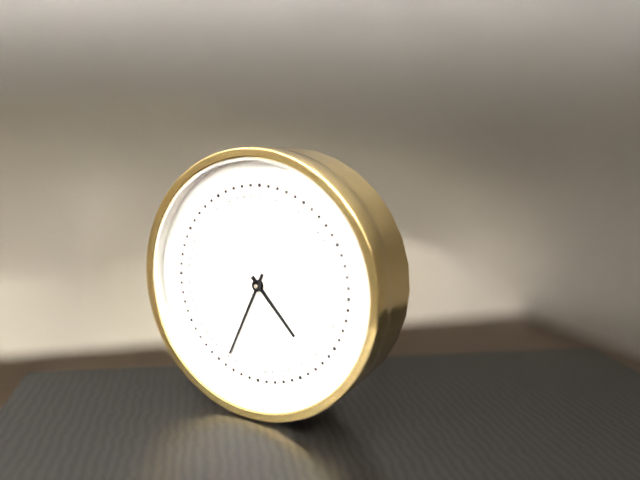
4:34
